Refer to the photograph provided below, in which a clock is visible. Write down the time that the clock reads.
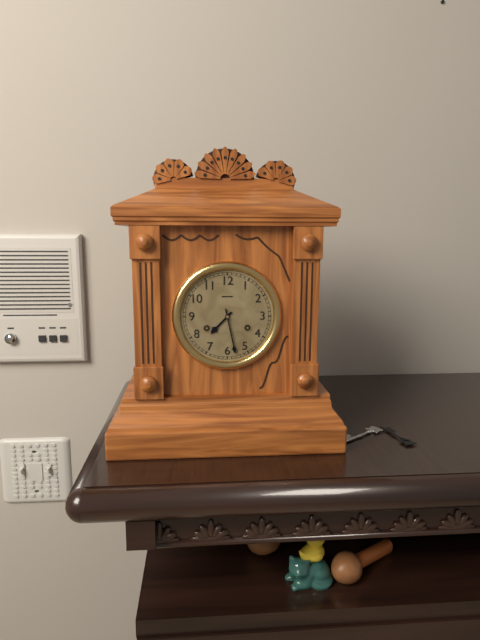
7:28
